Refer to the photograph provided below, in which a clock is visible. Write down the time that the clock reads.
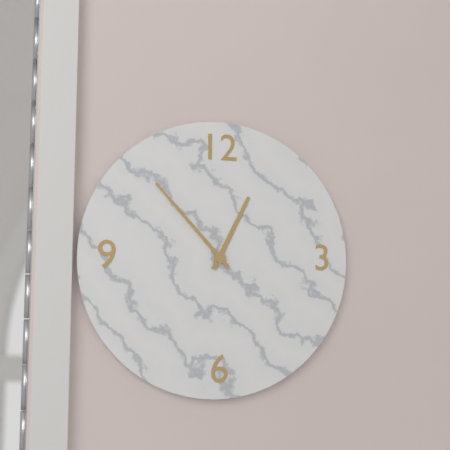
12:53
